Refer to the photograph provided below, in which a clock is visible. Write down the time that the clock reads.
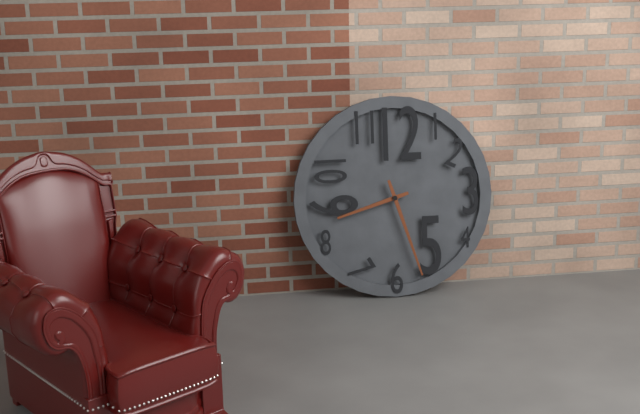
8:27
